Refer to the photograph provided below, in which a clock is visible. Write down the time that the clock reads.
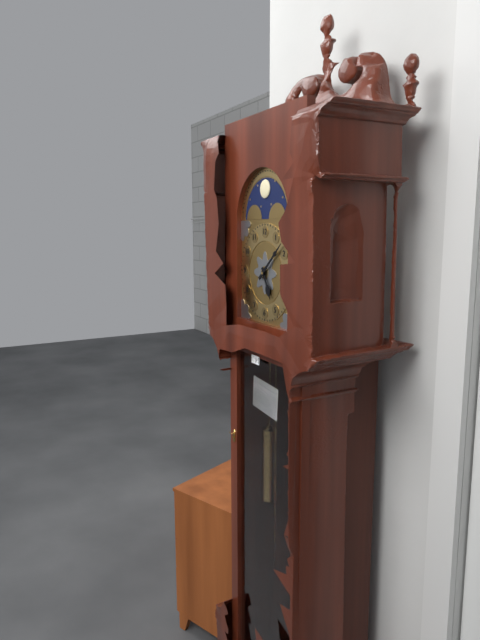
5:08
